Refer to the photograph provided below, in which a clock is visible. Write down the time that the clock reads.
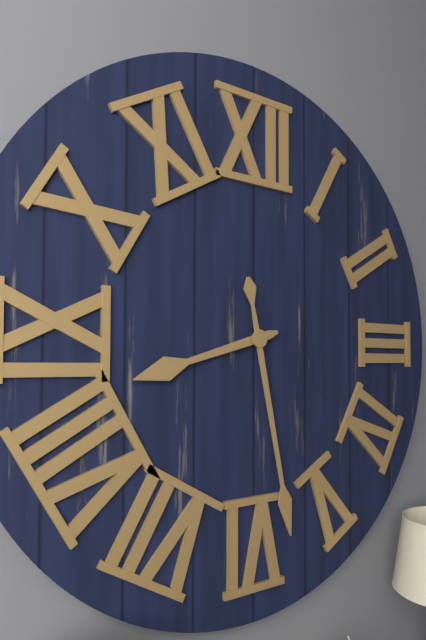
8:28
